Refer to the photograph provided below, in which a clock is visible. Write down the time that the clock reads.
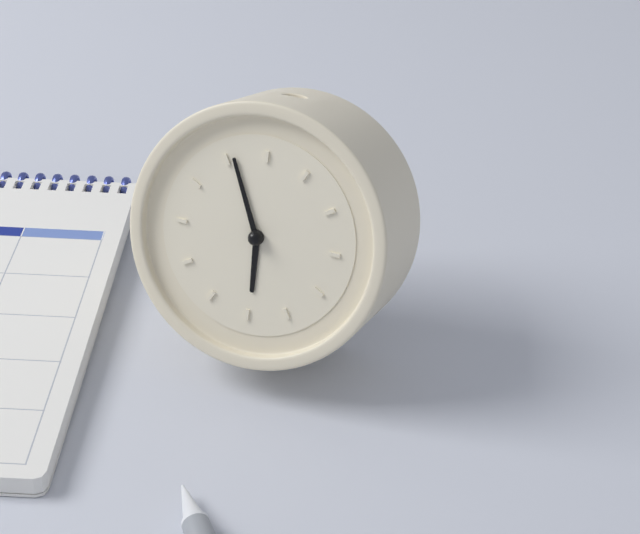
5:56
